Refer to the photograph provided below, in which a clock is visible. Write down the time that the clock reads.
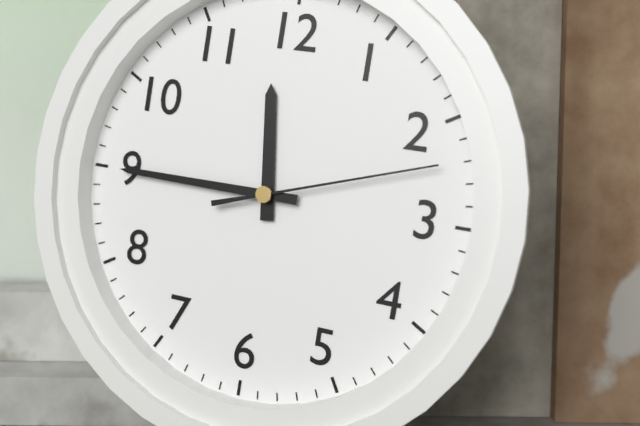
11:45:12
